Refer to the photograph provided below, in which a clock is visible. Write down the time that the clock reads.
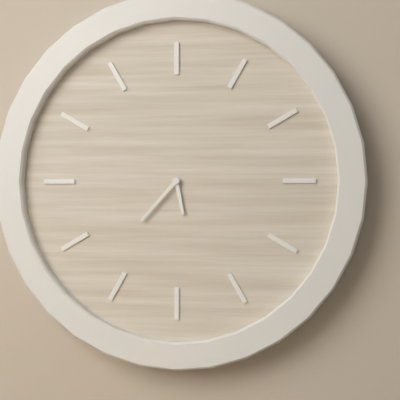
5:37
